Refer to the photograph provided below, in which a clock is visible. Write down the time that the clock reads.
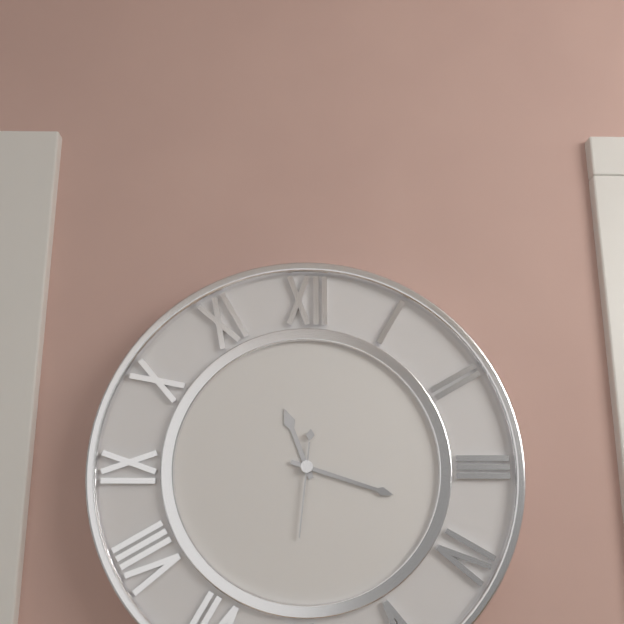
11:18:31
